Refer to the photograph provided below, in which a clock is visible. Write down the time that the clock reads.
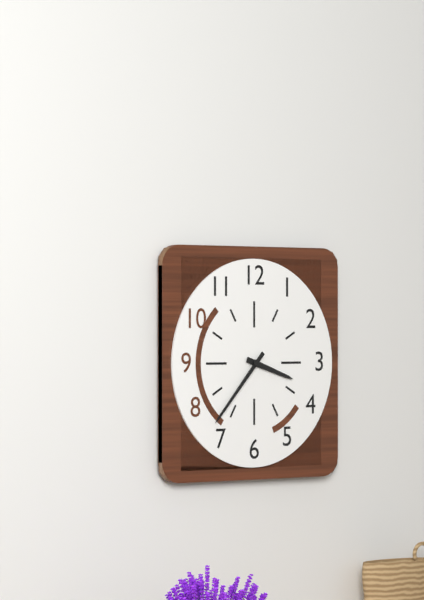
3:37
